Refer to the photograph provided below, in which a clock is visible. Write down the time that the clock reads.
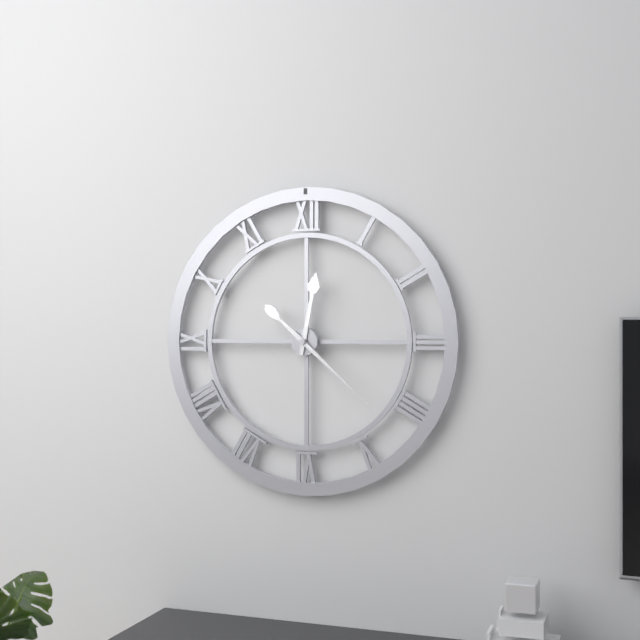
12:22
